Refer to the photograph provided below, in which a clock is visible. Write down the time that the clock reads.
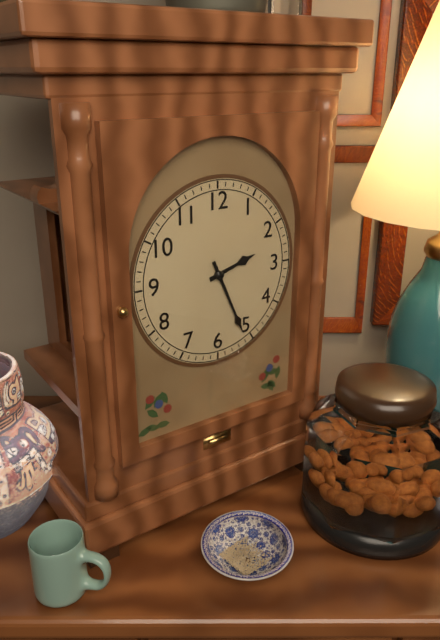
2:26
